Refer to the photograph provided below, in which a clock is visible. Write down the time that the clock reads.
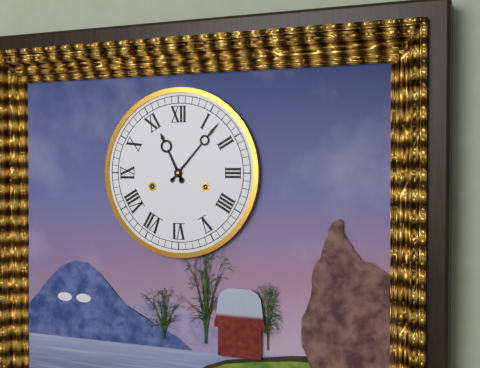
11:07
